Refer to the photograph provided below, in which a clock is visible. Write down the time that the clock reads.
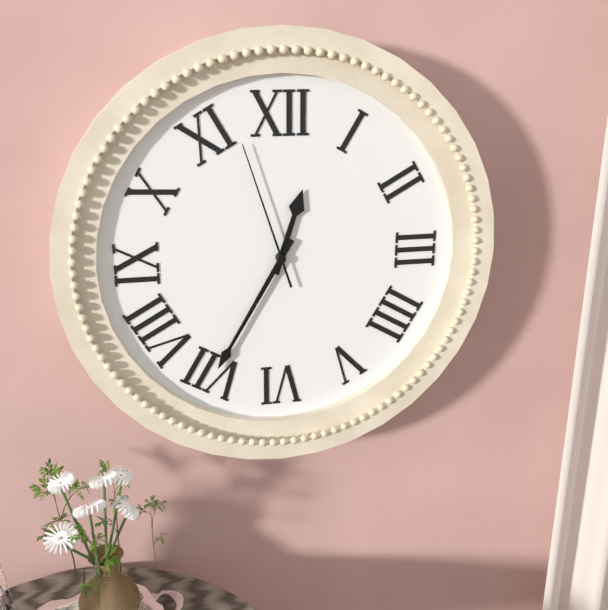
12:35:57
